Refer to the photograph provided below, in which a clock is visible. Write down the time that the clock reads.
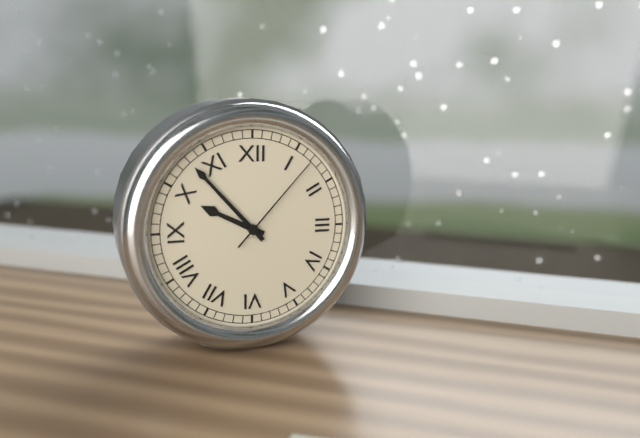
9:53:07
